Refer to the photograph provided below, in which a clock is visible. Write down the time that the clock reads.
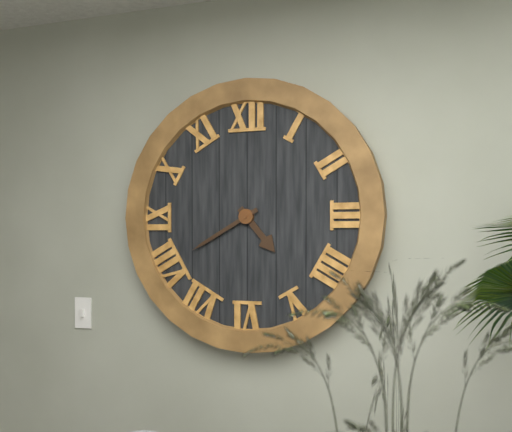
4:40
